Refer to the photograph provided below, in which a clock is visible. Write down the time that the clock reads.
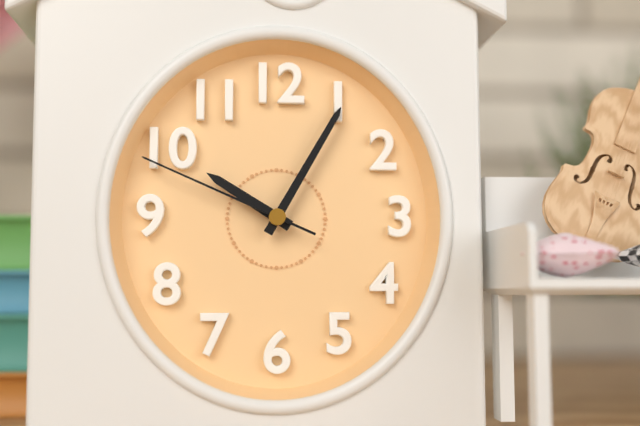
10:05:49
